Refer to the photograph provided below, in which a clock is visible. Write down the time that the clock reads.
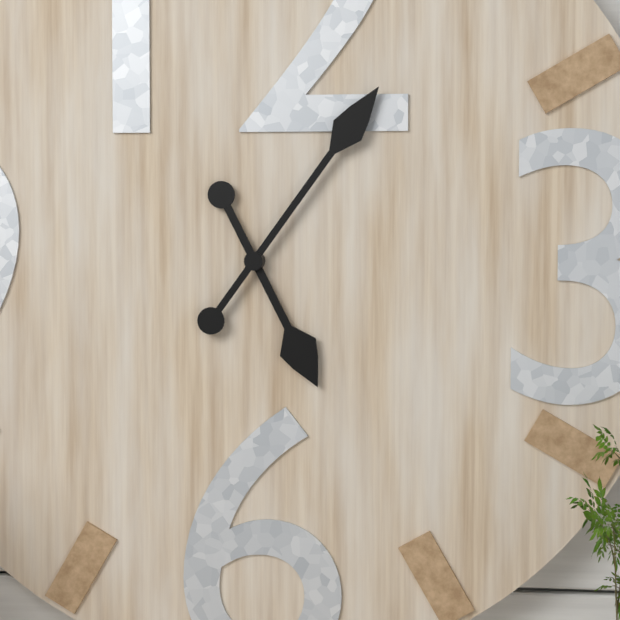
5:06
